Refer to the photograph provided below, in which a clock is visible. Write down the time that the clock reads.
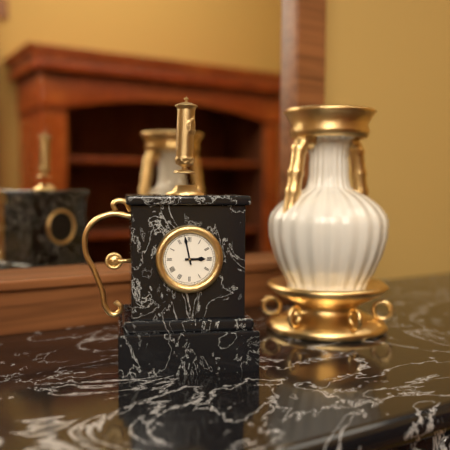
2:58
